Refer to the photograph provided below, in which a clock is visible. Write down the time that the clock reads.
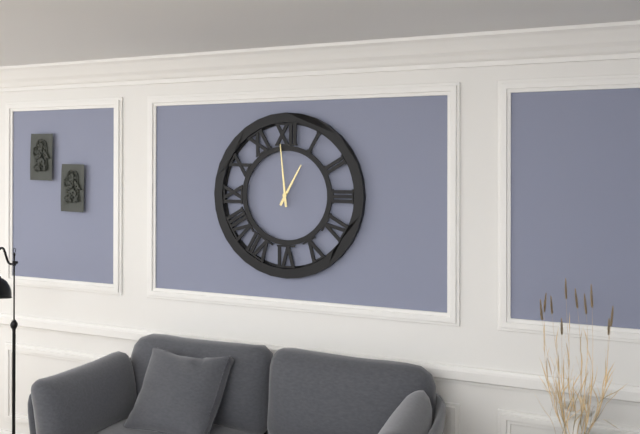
12:59
